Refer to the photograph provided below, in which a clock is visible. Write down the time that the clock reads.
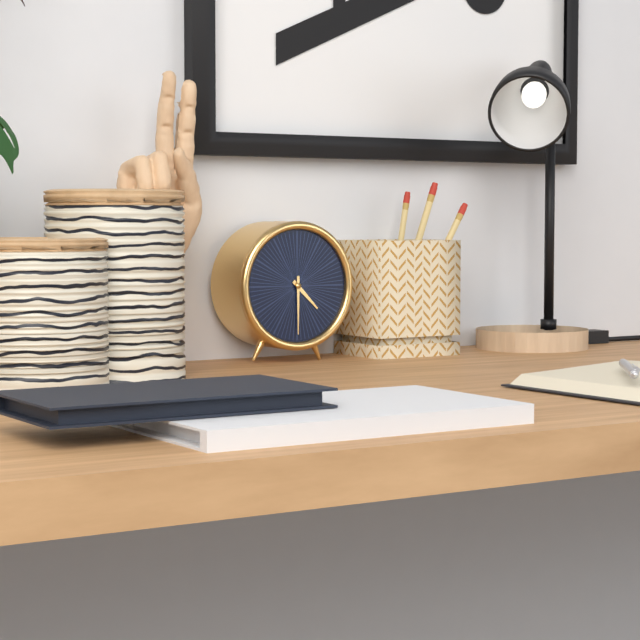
4:30
